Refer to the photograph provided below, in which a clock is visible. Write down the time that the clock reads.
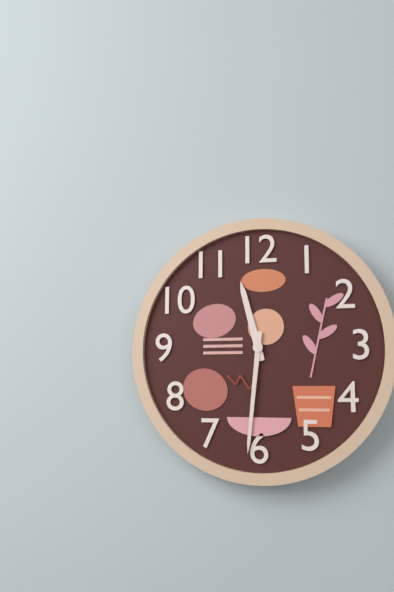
11:31
